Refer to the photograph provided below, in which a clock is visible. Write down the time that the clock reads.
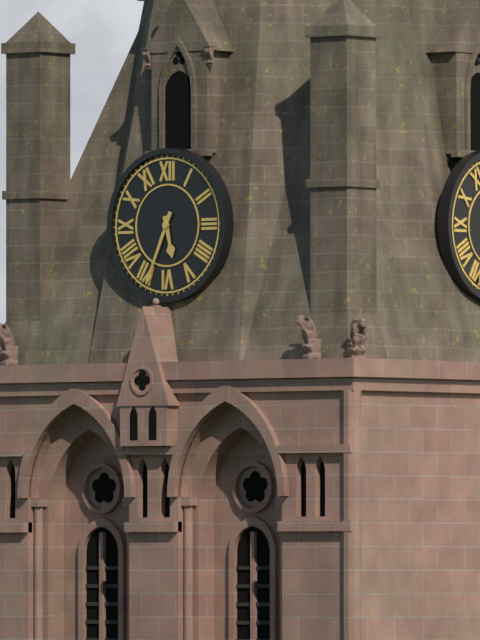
5:34
